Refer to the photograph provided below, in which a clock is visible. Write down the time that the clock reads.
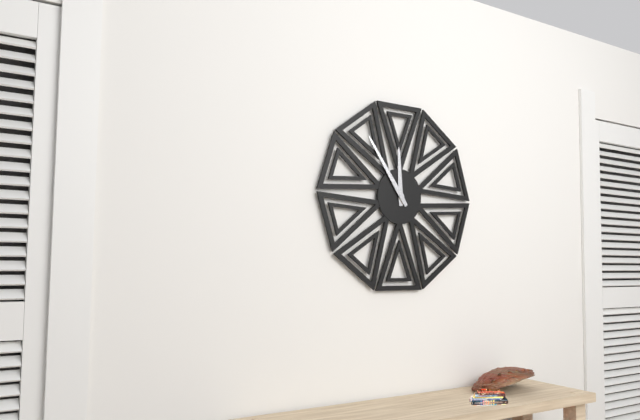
11:54
